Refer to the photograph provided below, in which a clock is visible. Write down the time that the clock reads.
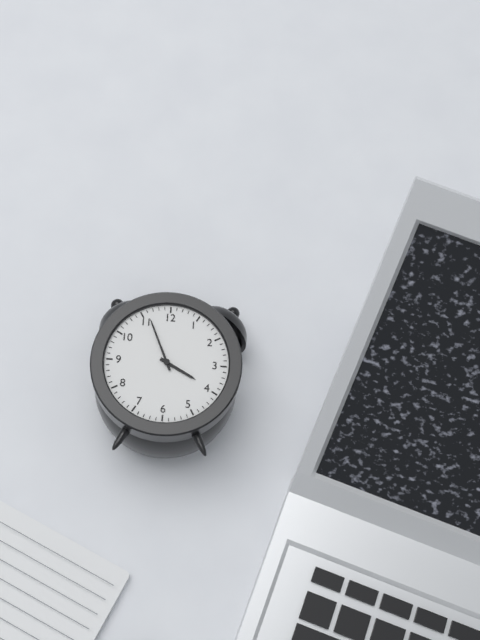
3:56
